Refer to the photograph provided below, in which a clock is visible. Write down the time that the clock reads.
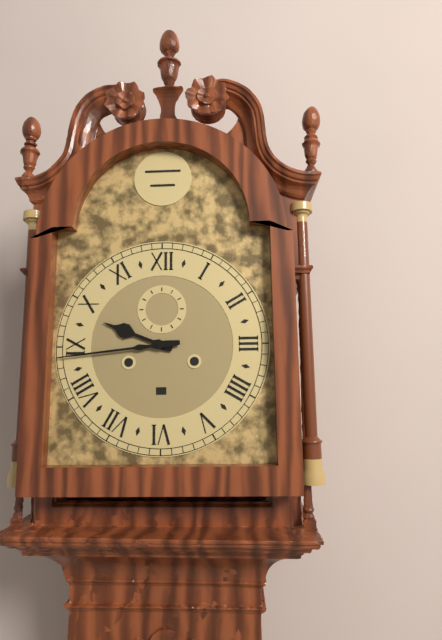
9:44
